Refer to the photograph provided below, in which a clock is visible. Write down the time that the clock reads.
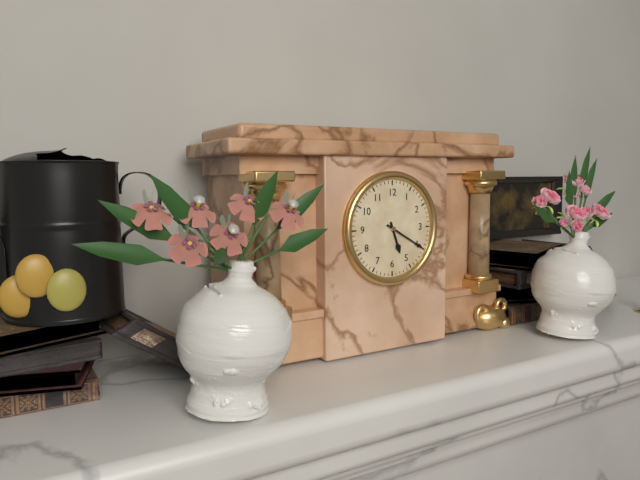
5:20
